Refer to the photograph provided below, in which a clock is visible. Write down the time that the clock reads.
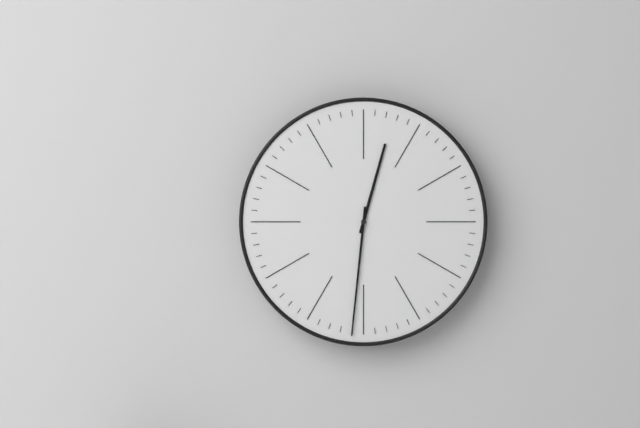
12:31
